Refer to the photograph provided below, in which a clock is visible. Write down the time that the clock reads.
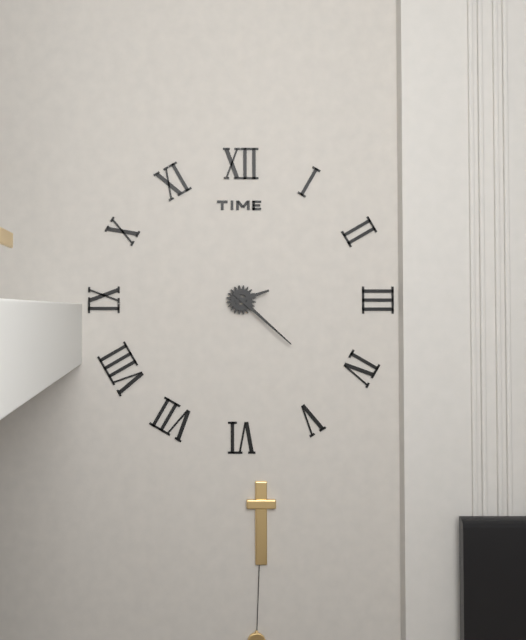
2:22
